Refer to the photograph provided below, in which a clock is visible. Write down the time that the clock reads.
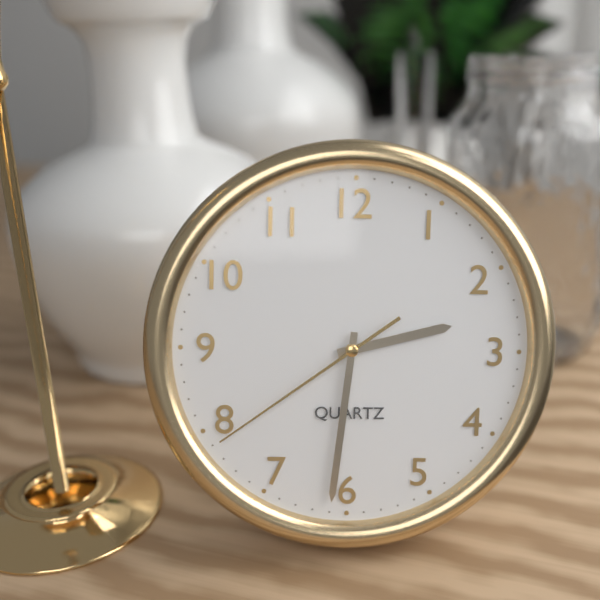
2:31:39
